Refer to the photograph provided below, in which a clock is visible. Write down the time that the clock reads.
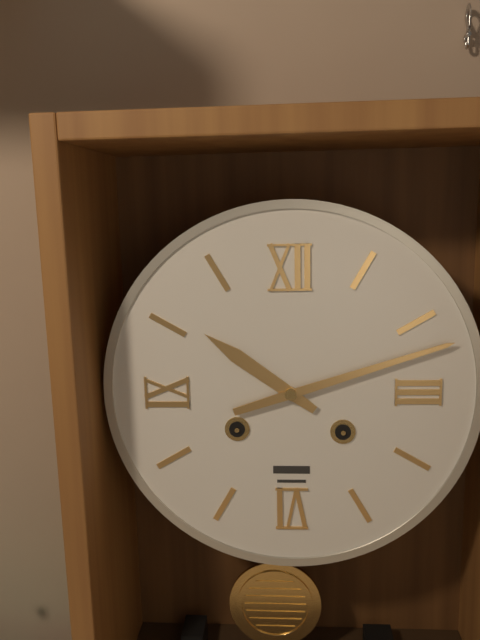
10:12
